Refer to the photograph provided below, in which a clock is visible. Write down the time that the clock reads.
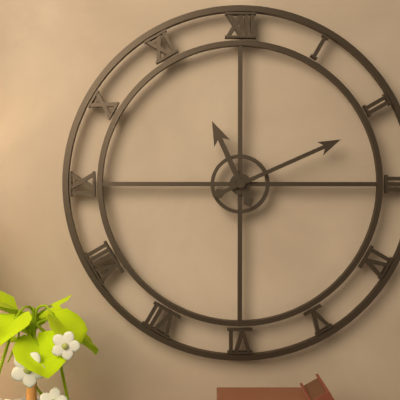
11:11
